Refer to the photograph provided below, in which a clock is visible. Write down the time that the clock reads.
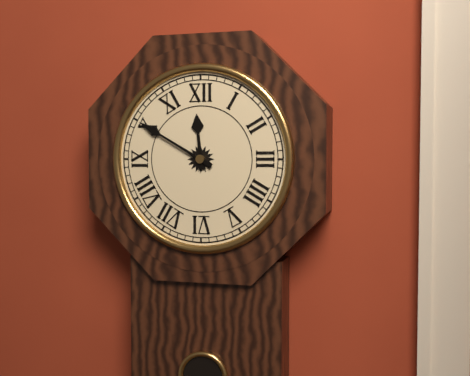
11:50
